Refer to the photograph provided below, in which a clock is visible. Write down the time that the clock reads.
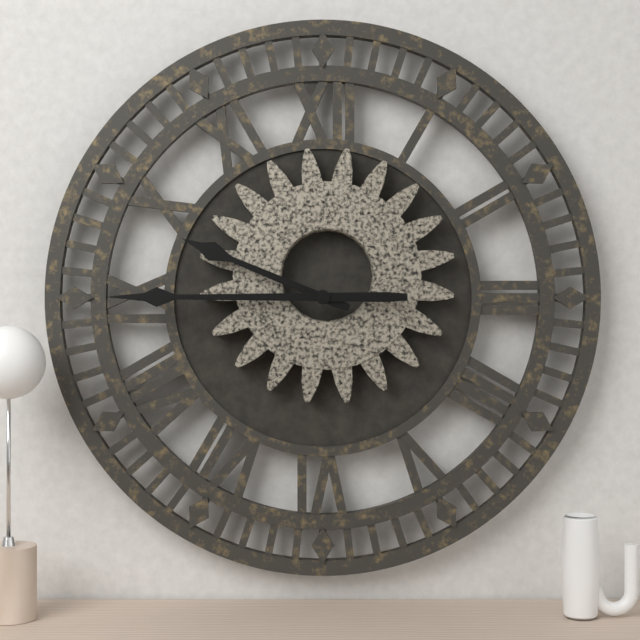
9:45
